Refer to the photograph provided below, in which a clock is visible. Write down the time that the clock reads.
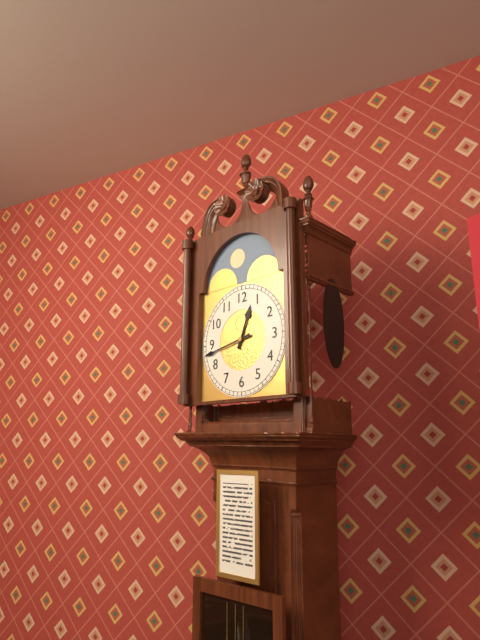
12:43
